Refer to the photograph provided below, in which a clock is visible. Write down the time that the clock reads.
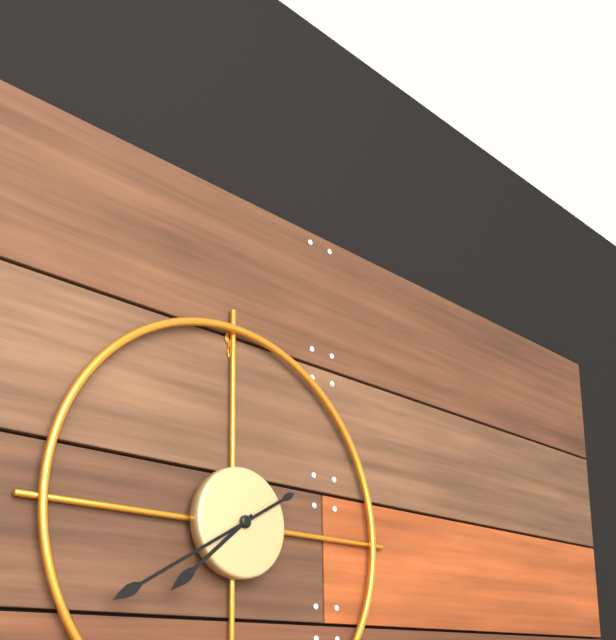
7:40
